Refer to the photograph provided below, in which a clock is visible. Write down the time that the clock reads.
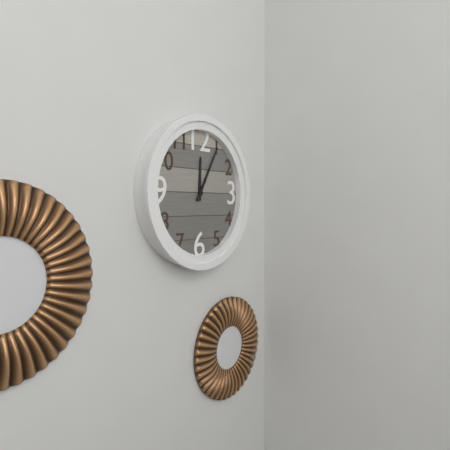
12:05
